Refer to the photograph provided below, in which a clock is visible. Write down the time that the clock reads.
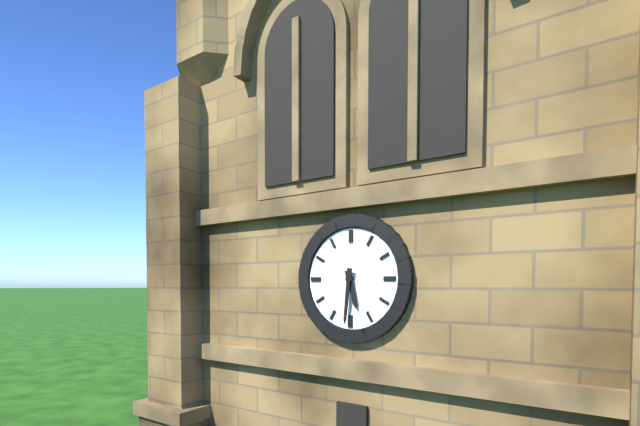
5:31
